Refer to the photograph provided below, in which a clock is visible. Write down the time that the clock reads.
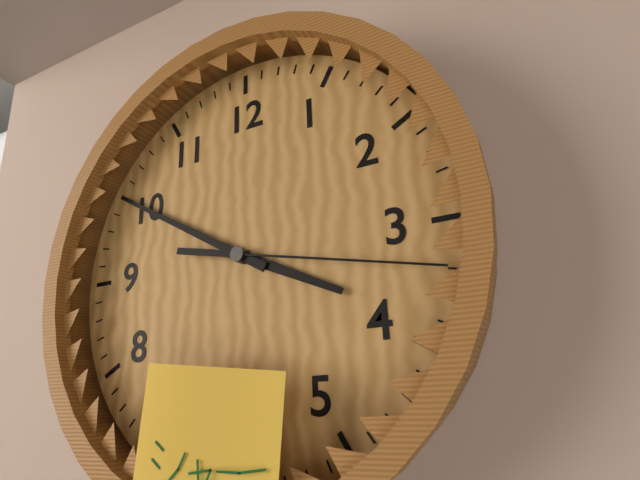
3:50:17
